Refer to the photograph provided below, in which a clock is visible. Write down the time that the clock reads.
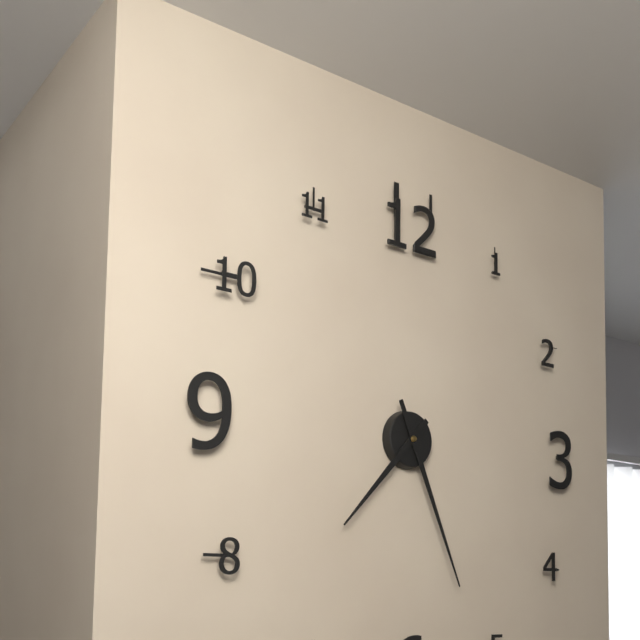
7:26
